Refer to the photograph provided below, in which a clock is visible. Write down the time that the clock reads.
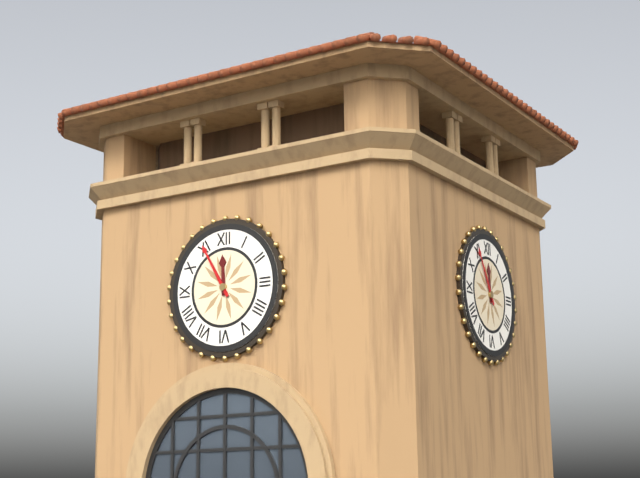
11:55
